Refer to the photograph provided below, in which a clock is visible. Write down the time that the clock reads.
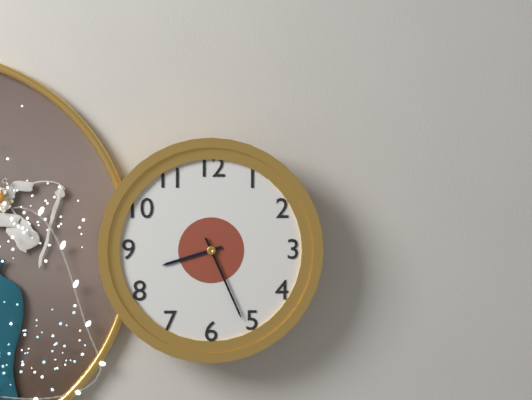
8:26
